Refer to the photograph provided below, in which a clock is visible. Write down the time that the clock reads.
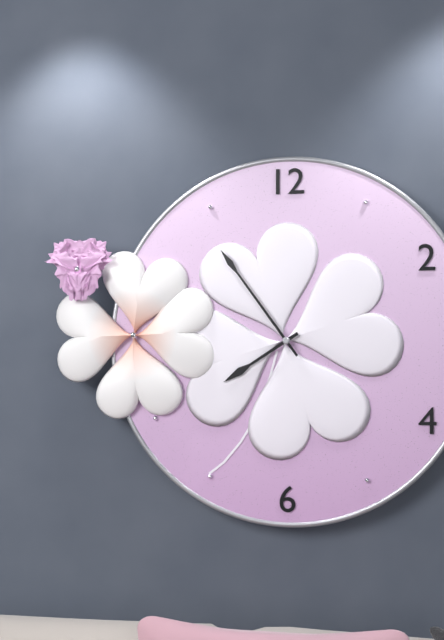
7:54
